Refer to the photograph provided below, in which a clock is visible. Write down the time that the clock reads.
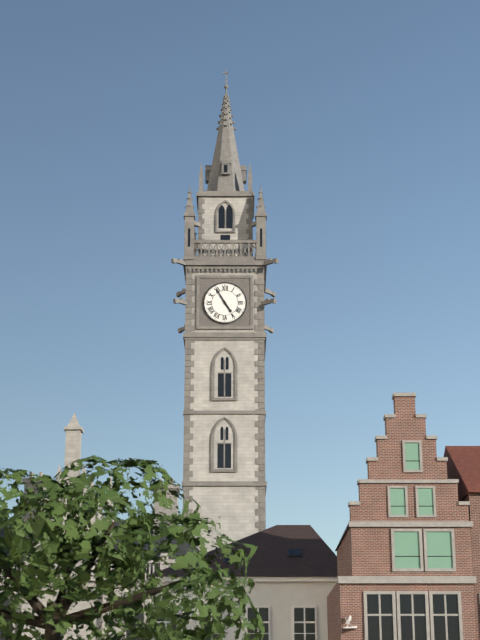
4:55
